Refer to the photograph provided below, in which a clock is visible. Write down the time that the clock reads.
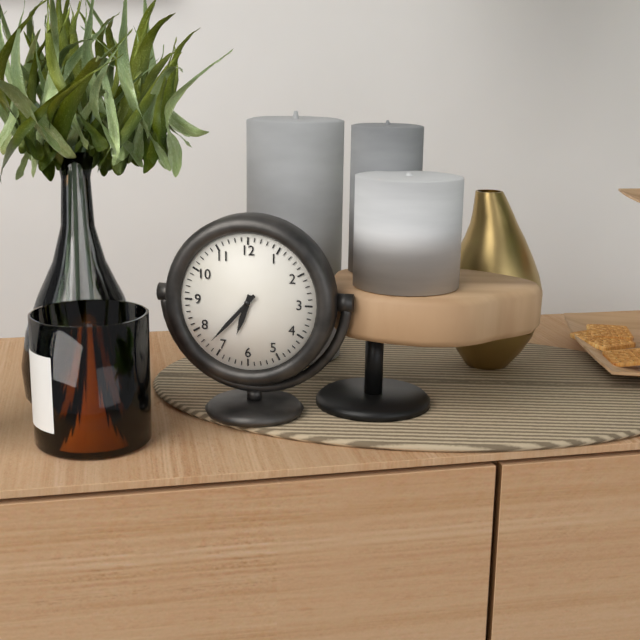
6:37
